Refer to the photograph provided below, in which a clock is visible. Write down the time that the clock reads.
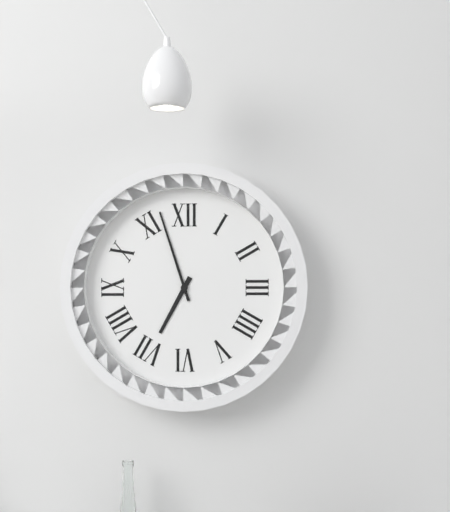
6:57
